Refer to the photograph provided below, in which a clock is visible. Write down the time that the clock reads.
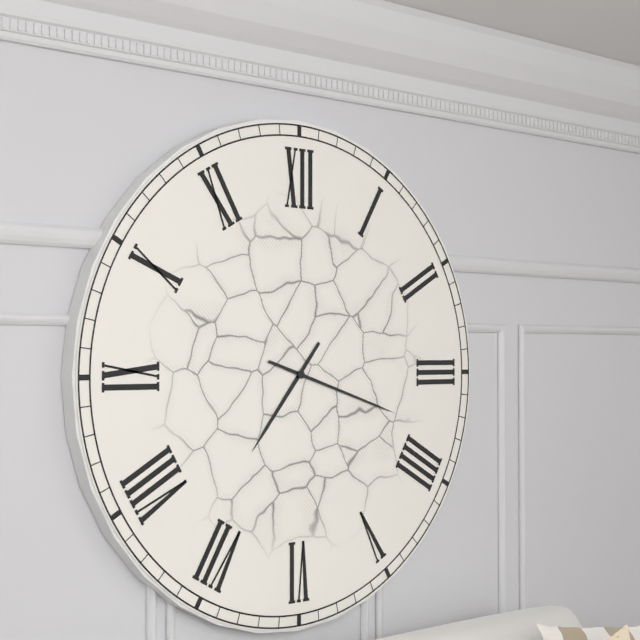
7:18
